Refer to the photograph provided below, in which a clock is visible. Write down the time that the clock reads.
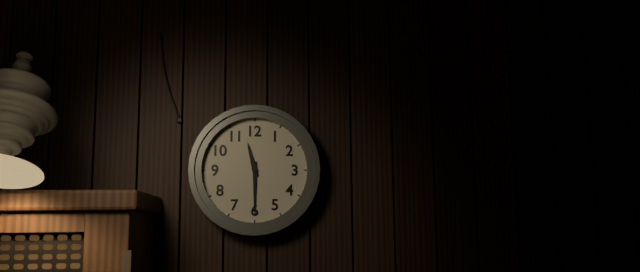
11:30
